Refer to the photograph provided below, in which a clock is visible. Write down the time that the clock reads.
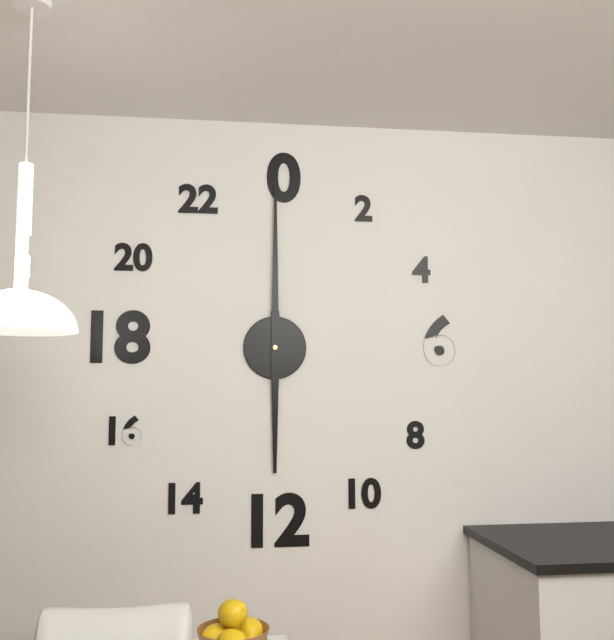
6:00
